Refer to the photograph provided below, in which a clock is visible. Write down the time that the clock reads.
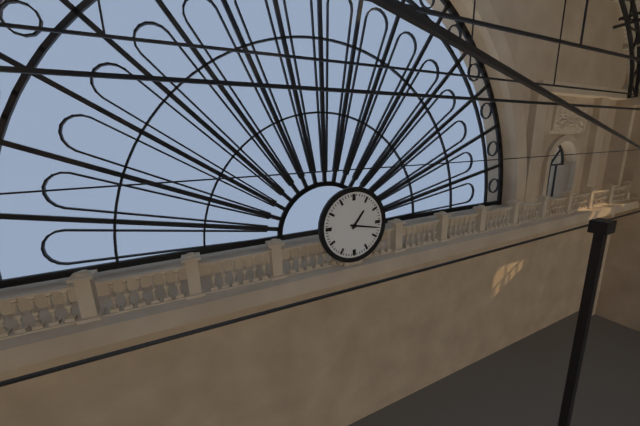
1:17
